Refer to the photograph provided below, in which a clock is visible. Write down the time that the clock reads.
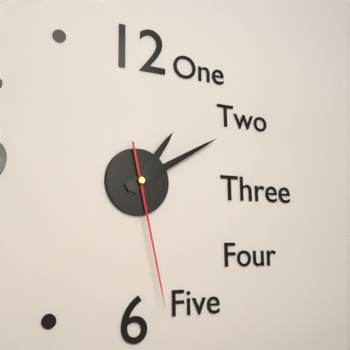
1:10:28
